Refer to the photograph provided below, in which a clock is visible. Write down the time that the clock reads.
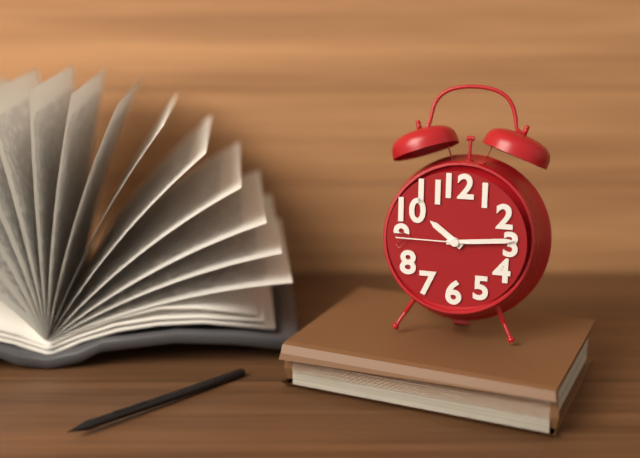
10:14:45
